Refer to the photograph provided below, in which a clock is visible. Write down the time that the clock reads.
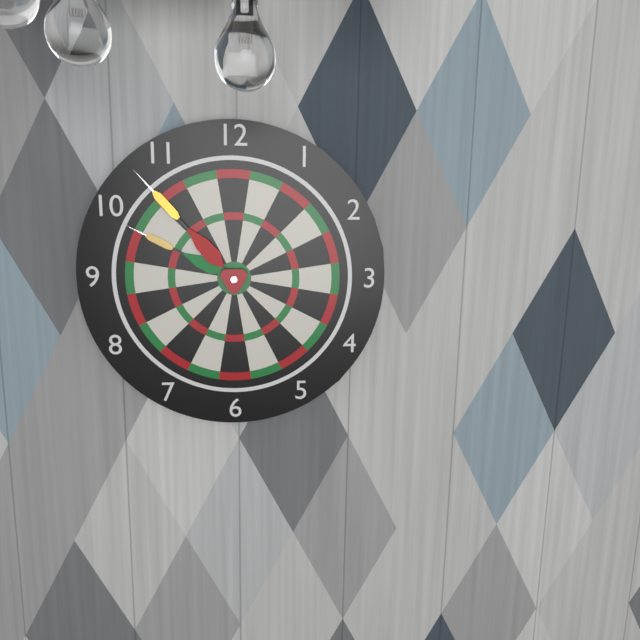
9:53
